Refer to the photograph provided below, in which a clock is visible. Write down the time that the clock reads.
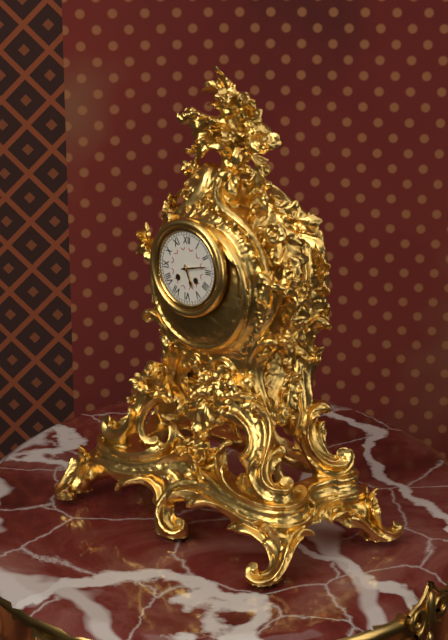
5:13
